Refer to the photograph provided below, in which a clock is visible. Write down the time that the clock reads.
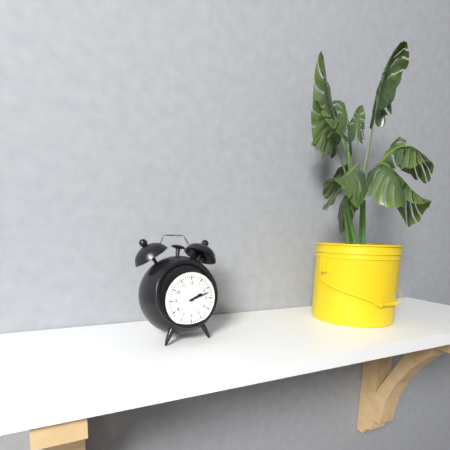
2:12
